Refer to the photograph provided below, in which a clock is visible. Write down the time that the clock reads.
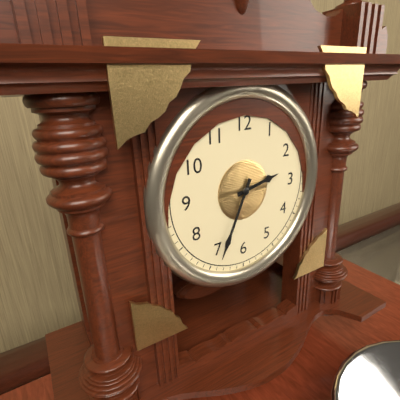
2:34
